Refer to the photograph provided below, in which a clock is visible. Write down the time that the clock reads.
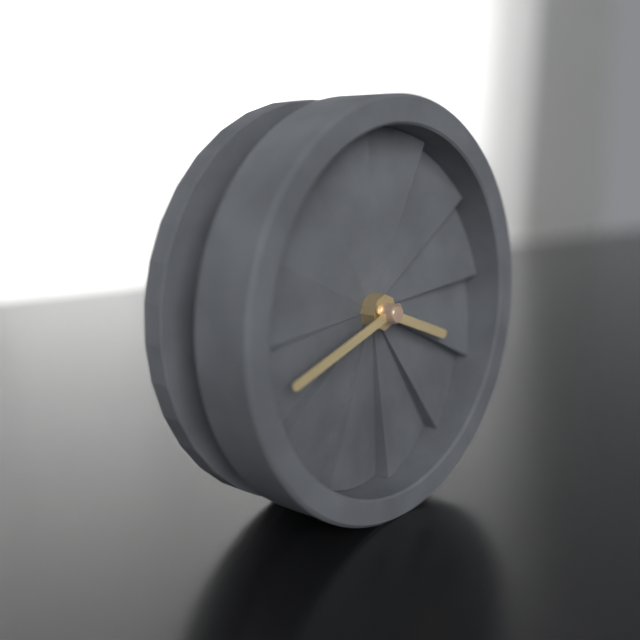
3:42
